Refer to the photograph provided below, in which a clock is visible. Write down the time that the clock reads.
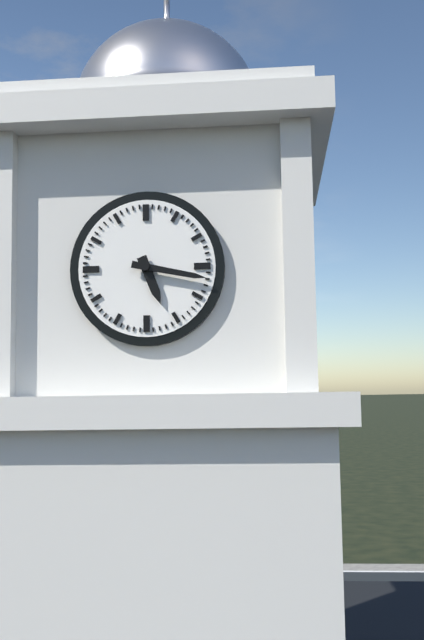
5:17
